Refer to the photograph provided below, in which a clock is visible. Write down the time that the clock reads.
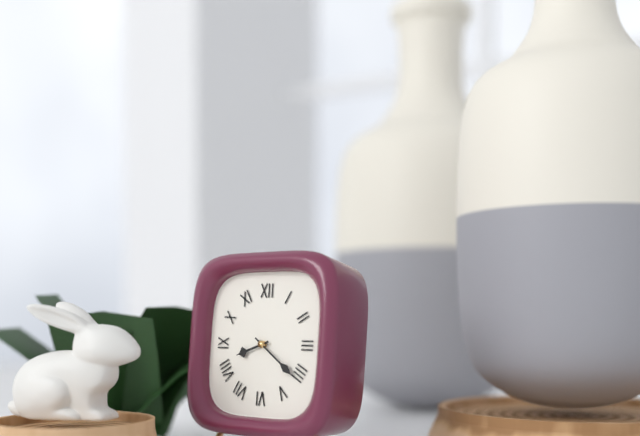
8:21
